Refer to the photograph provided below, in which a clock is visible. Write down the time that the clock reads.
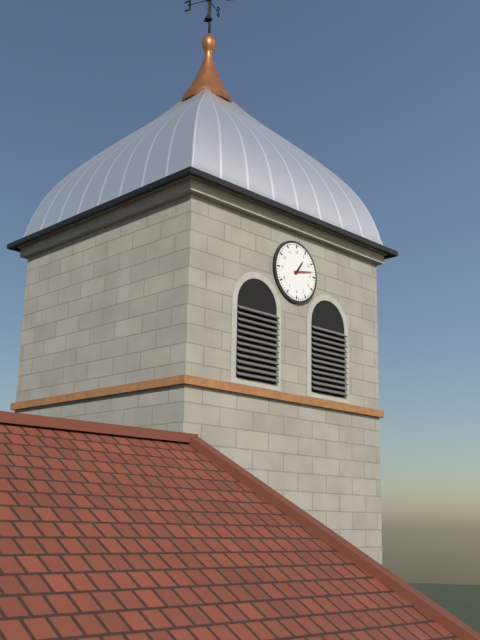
1:13
